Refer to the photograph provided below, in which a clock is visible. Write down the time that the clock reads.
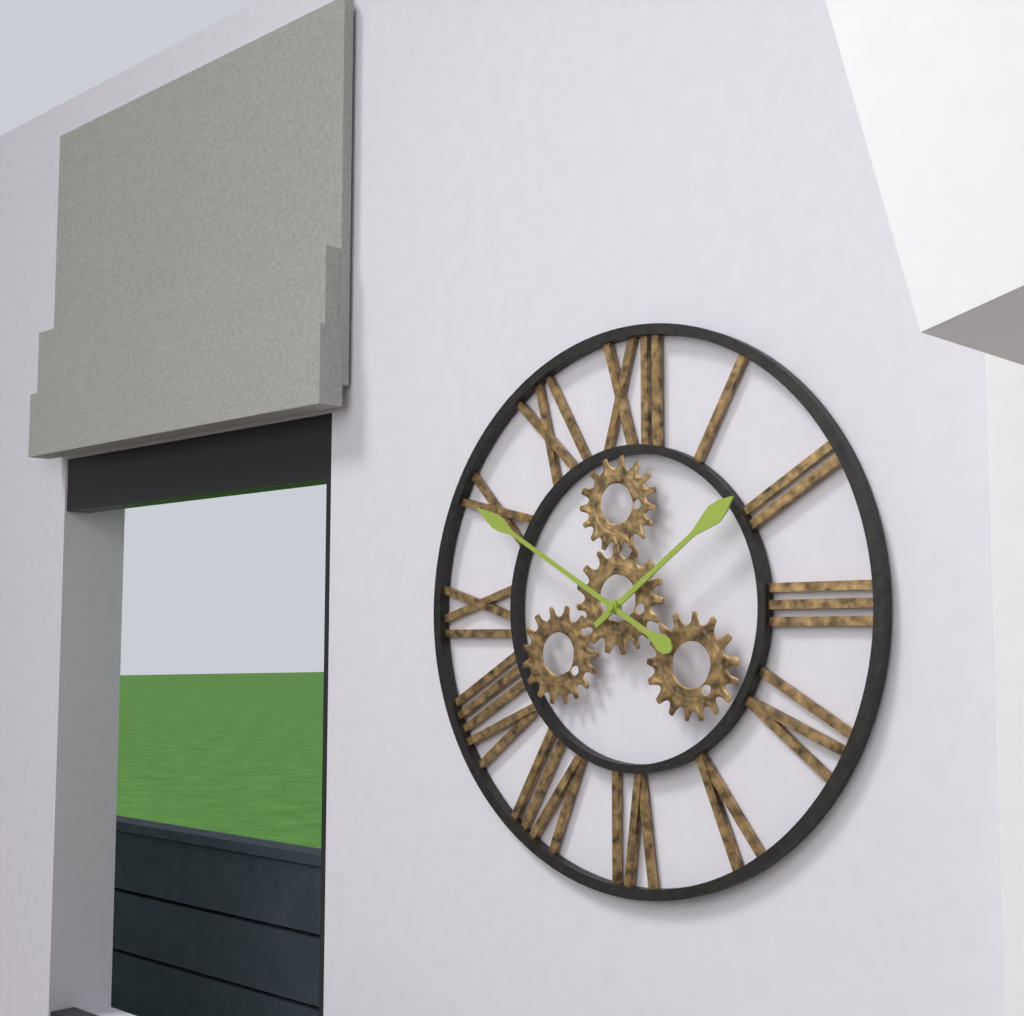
1:50
